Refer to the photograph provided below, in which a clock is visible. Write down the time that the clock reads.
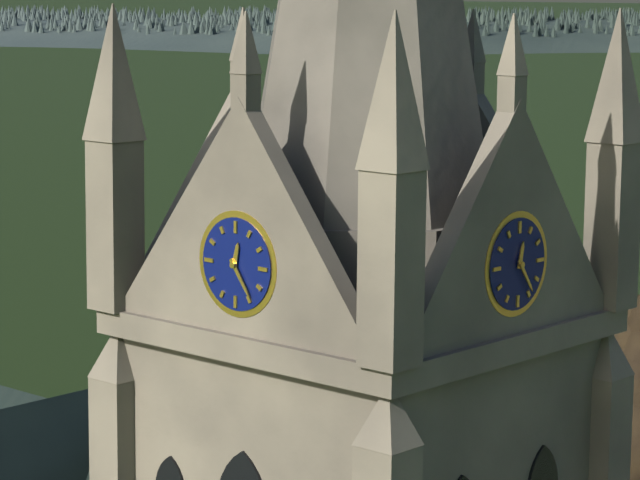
12:24
